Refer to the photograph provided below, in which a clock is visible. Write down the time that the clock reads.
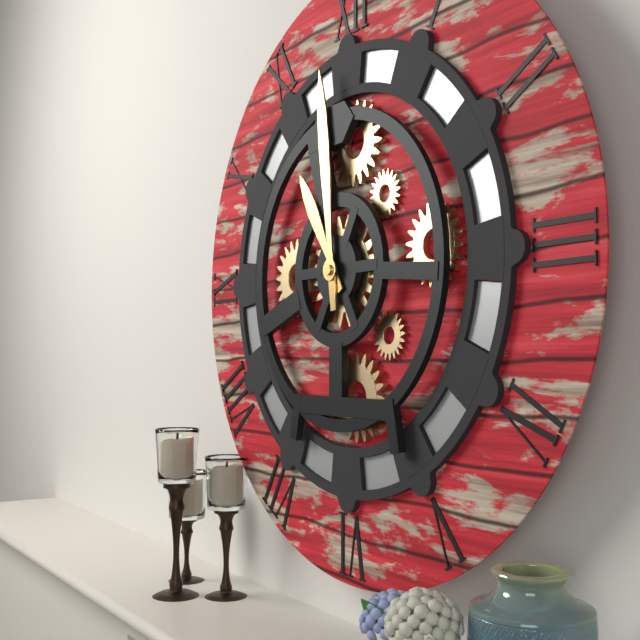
10:59
